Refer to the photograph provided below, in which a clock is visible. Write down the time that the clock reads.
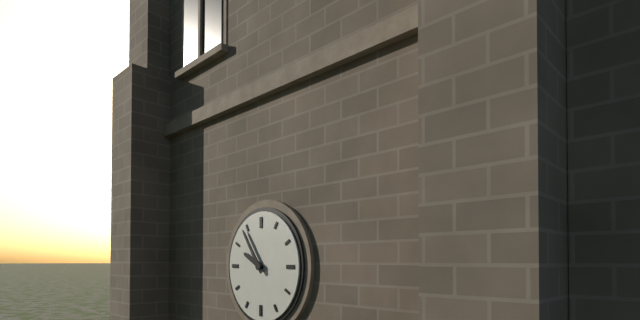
9:54
